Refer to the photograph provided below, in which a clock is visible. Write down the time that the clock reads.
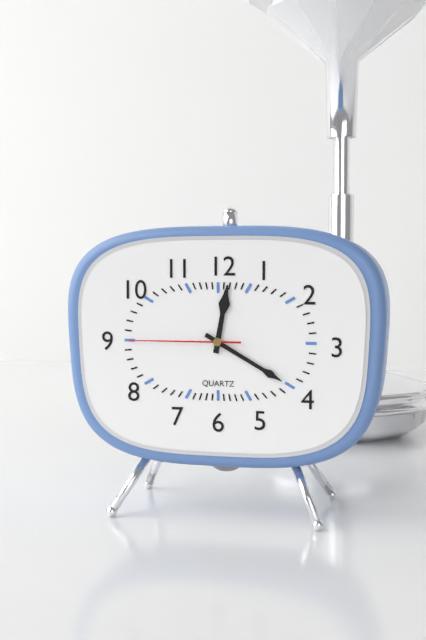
12:20:45
